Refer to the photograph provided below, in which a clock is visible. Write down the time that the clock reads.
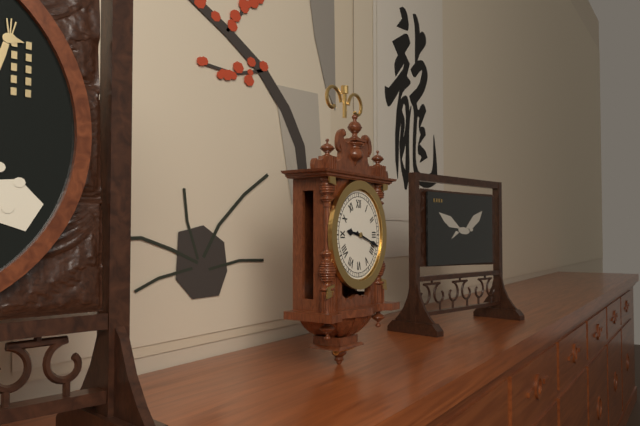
9:18
